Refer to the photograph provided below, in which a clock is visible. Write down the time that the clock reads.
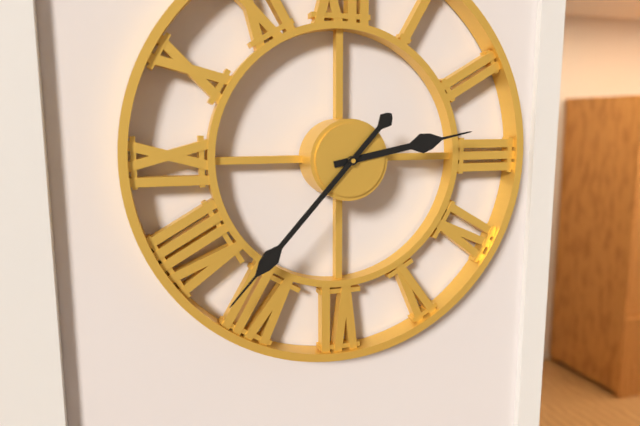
2:37
